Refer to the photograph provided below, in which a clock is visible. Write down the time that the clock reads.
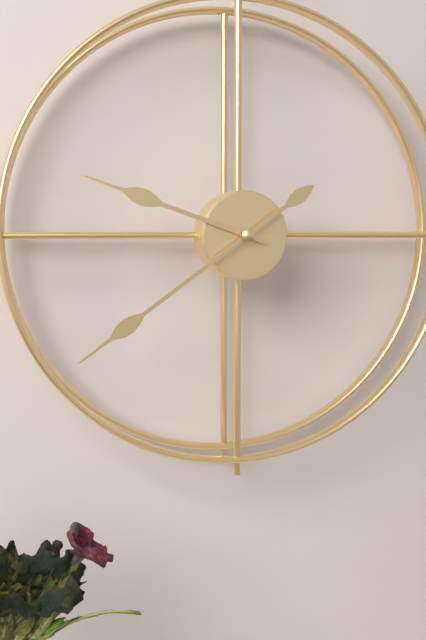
9:39
